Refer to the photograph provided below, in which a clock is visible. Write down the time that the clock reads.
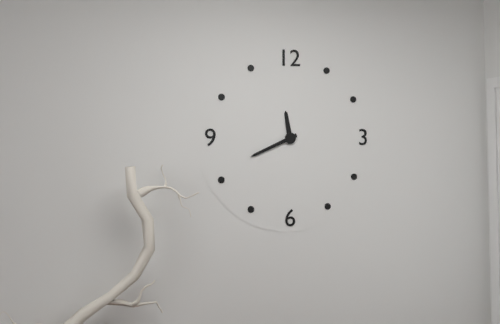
11:41
